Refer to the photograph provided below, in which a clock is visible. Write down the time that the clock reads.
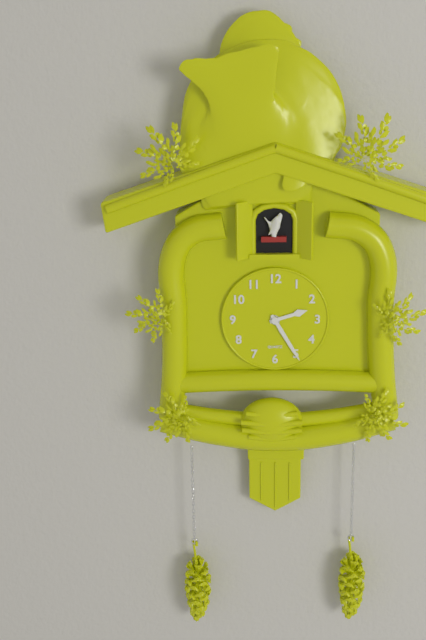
2:25
